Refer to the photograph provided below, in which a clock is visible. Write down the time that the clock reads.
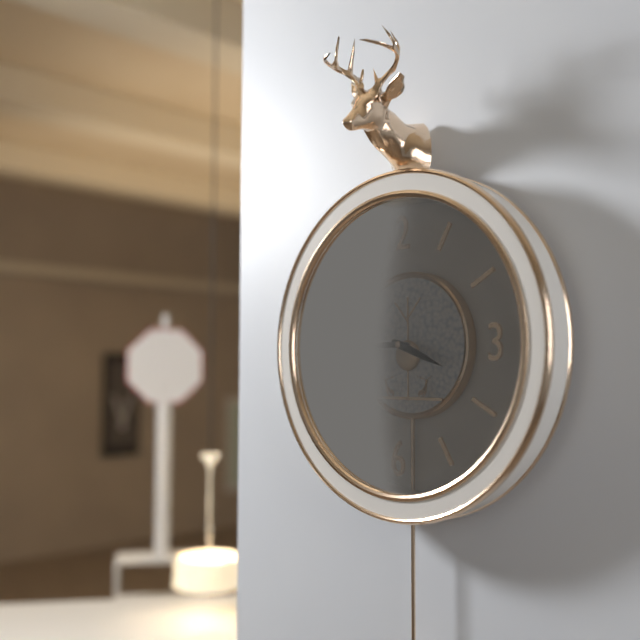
3:45
